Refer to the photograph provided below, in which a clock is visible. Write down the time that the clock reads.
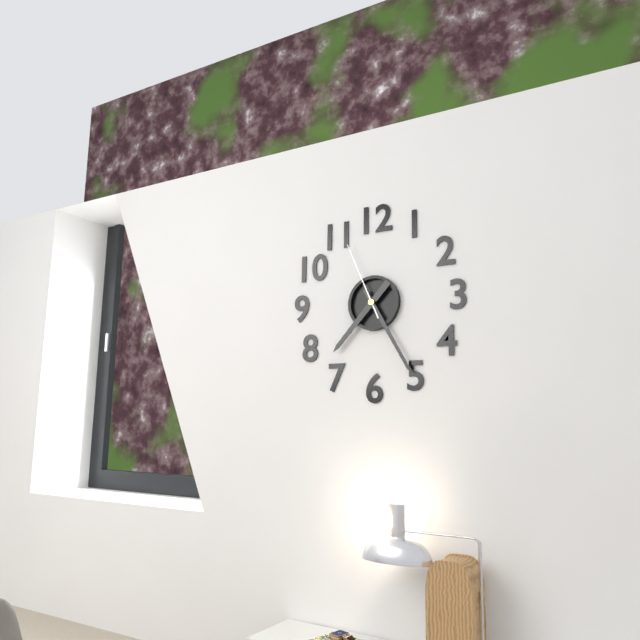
7:25:56
